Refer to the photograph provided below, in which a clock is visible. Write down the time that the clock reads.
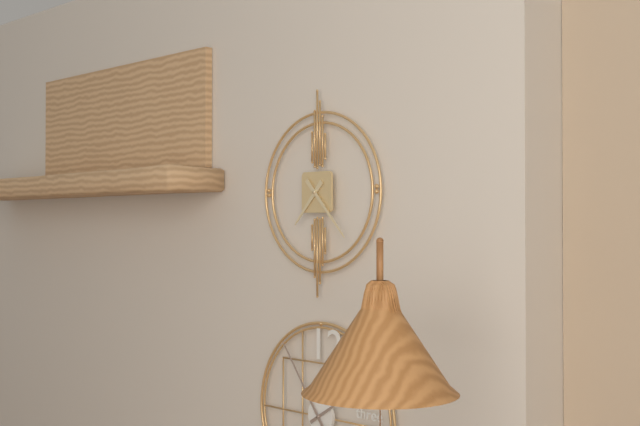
7:23
